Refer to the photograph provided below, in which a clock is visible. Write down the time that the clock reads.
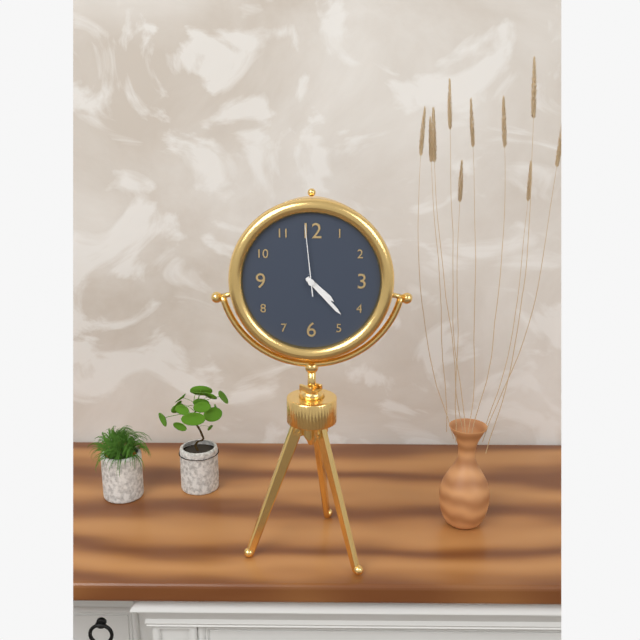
4:23:59
